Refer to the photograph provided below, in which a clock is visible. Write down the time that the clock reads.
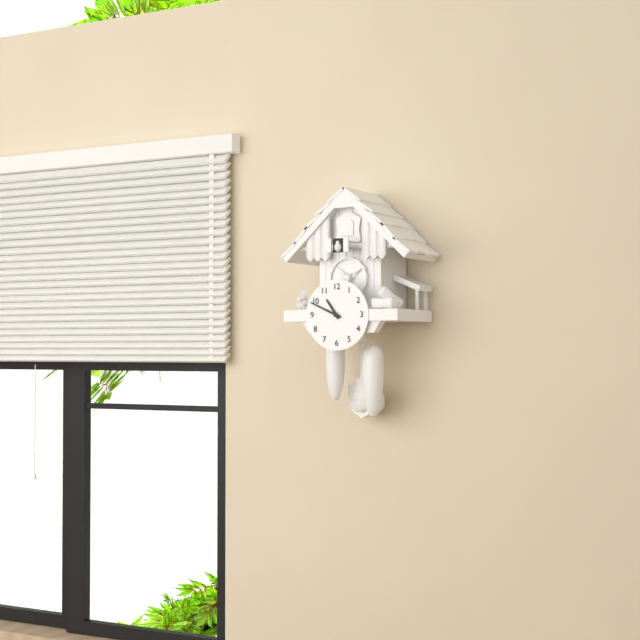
10:49
